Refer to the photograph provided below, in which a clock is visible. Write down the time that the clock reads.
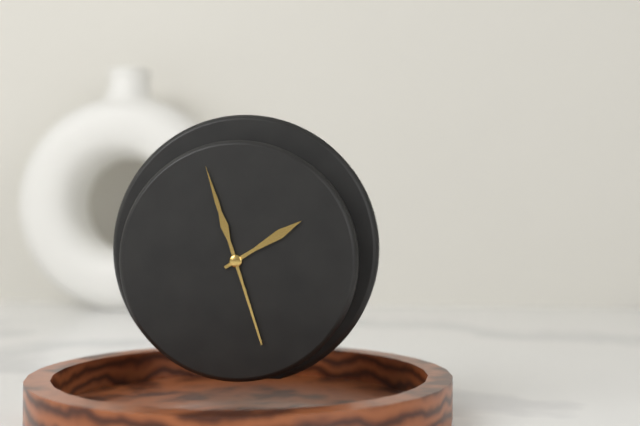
1:57
